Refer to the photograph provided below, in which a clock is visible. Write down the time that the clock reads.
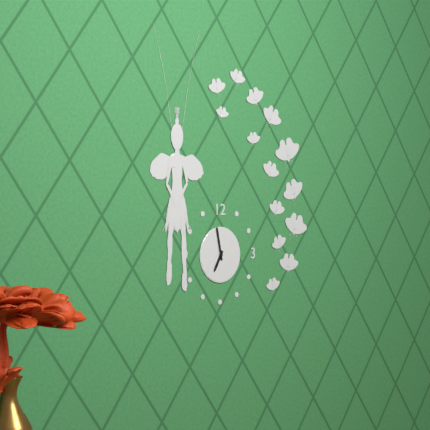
6:58
